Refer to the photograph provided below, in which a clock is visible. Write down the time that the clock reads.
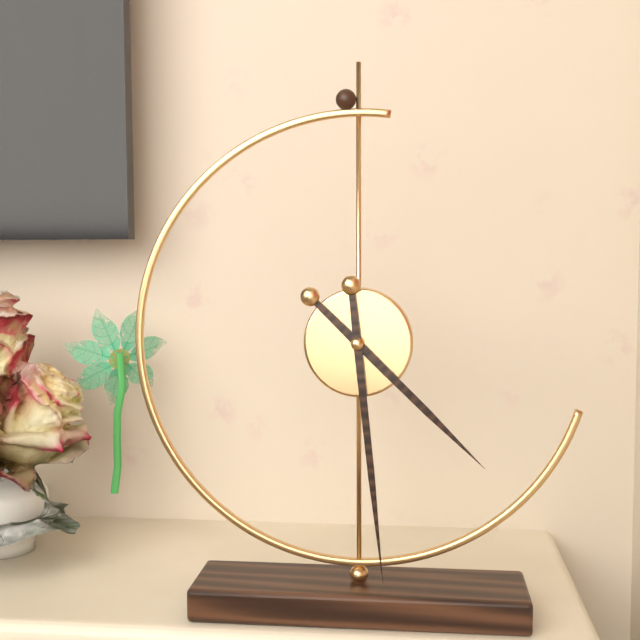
4:29
